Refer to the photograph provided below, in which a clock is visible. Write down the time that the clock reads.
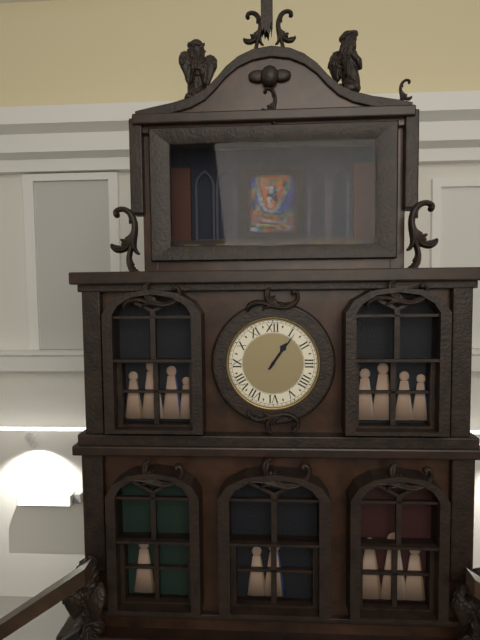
1:06
